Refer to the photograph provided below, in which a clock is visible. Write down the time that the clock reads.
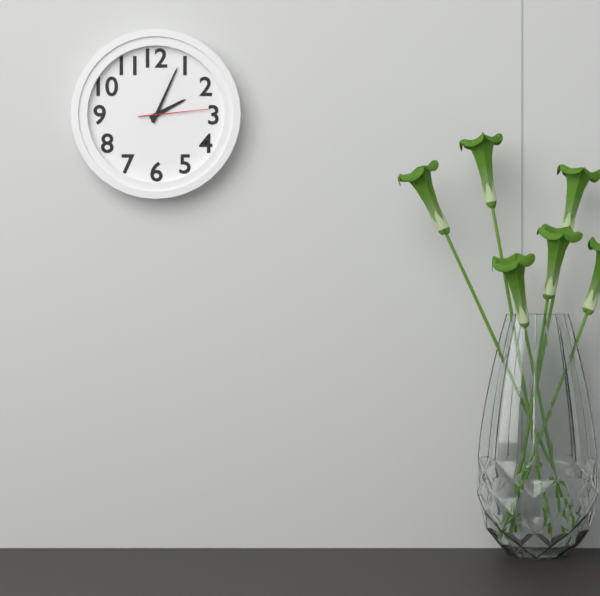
2:04:14
